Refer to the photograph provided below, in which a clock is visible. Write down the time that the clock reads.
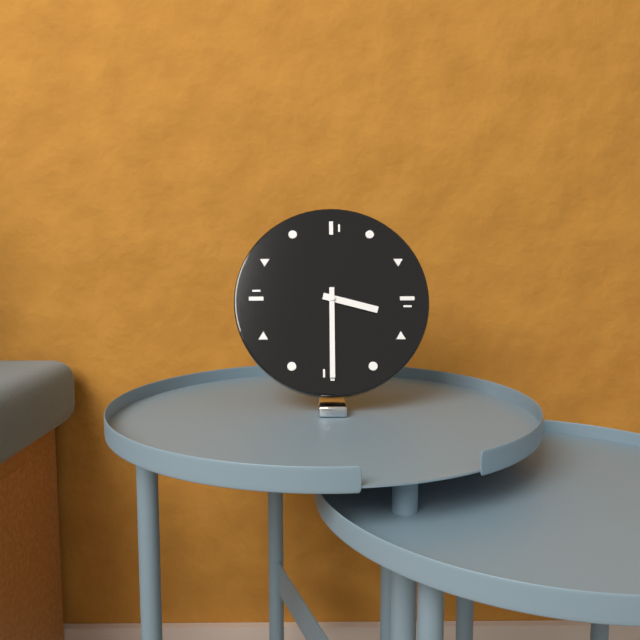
3:30
